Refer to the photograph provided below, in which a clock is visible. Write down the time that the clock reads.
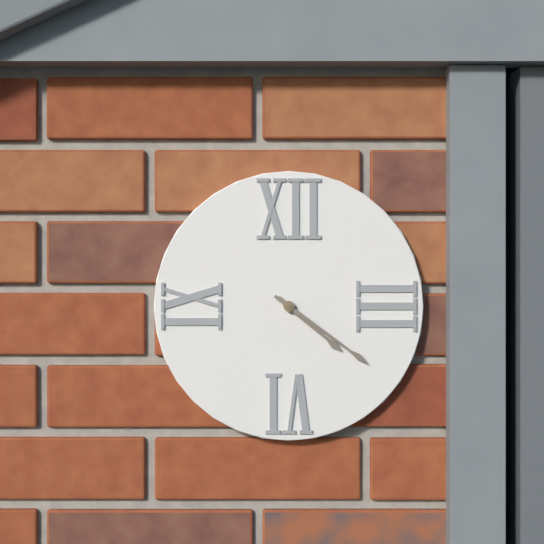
4:21
